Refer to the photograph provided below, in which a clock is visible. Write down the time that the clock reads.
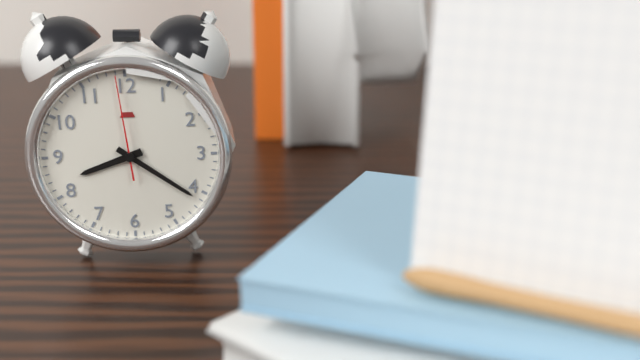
8:21:59
